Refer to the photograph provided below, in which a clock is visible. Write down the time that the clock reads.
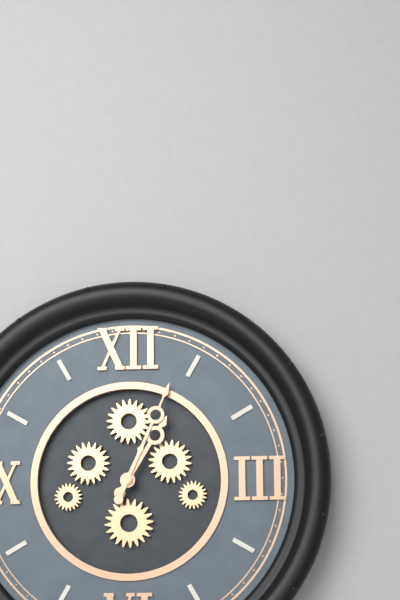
1:04
